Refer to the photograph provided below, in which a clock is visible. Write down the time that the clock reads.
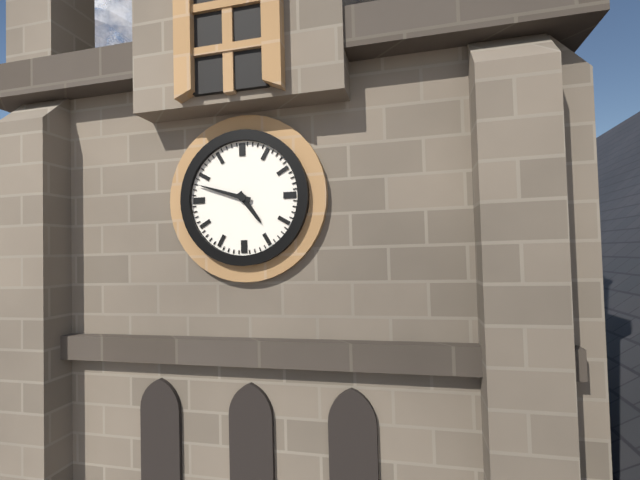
4:48
